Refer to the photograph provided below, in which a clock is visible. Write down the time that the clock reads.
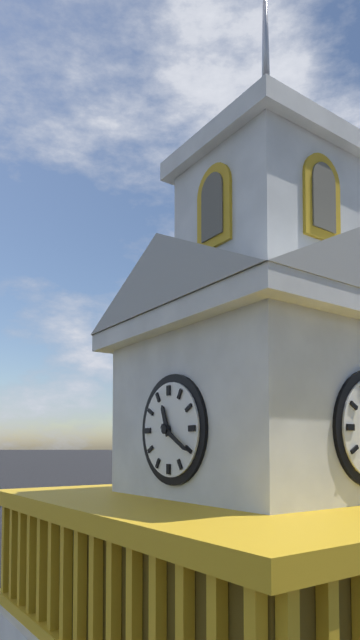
11:20
